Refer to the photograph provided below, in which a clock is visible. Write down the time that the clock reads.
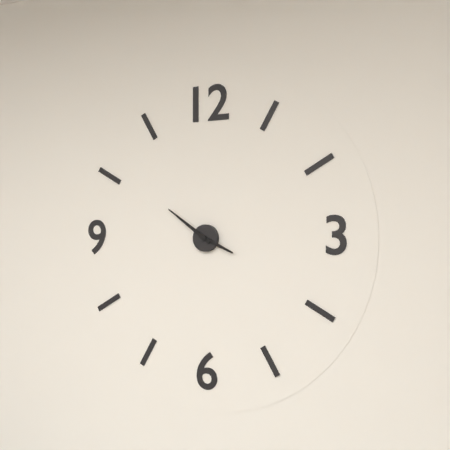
3:51
